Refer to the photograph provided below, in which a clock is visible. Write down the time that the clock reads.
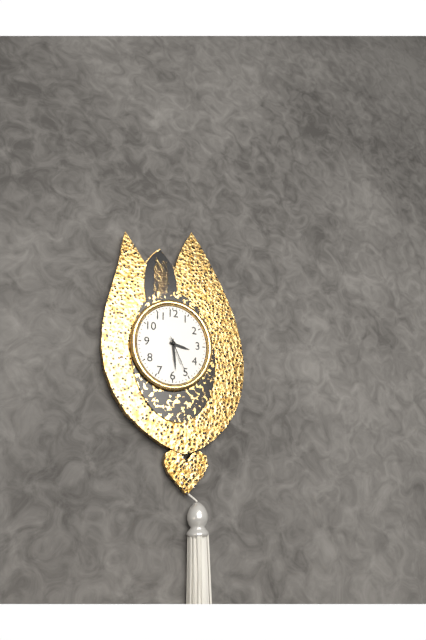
3:29
